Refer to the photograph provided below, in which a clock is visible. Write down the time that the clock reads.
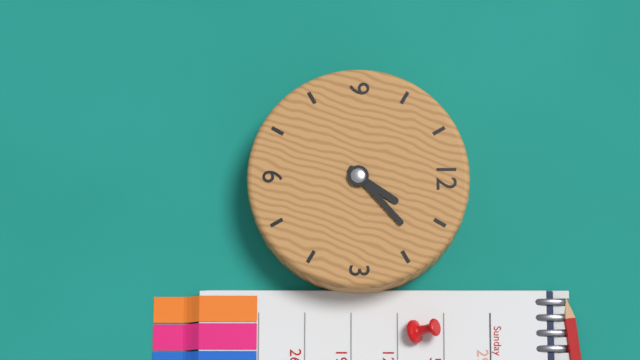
1:08
